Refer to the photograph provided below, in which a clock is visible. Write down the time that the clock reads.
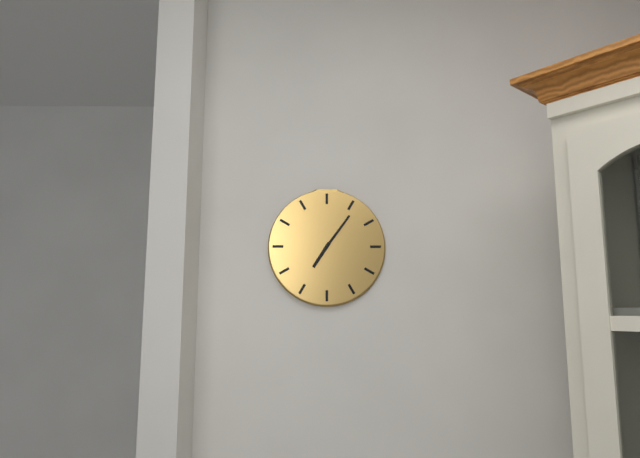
7:06
